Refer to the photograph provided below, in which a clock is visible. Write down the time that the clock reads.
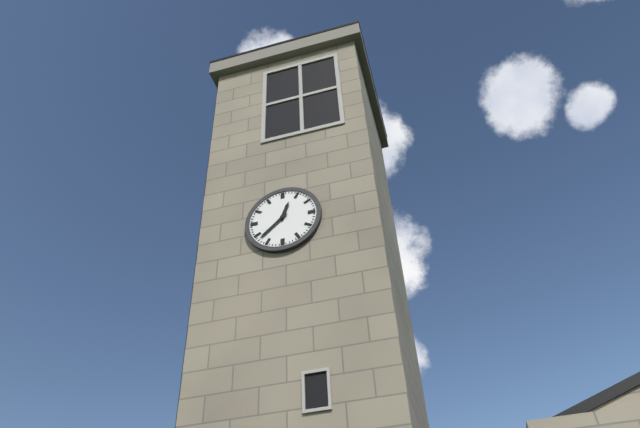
12:38
